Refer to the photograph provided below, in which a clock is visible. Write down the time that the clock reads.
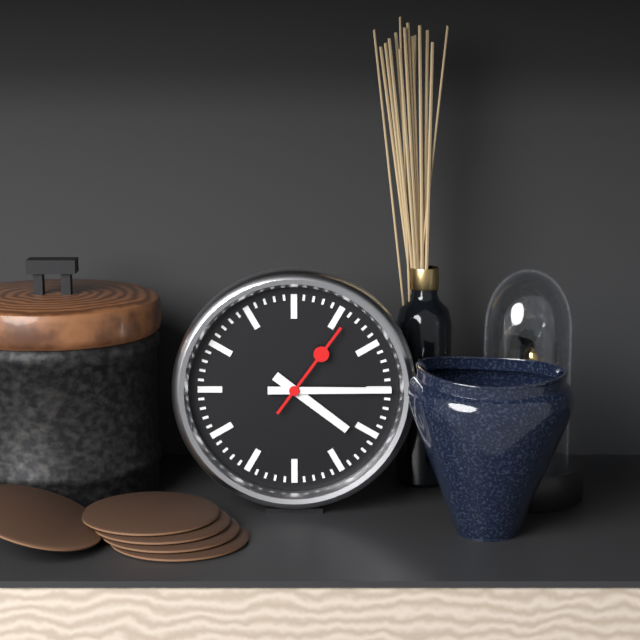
4:15:06
